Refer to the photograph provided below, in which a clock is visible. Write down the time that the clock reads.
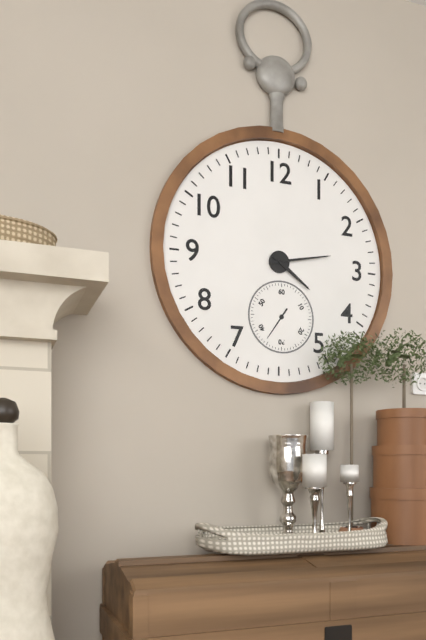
4:13
